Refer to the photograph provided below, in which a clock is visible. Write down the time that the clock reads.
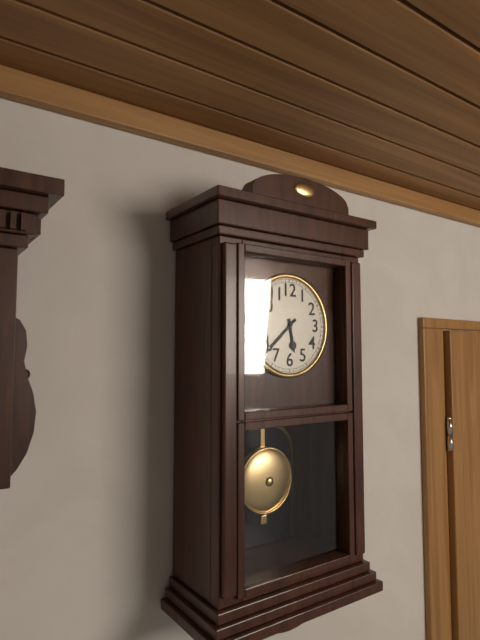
5:38
